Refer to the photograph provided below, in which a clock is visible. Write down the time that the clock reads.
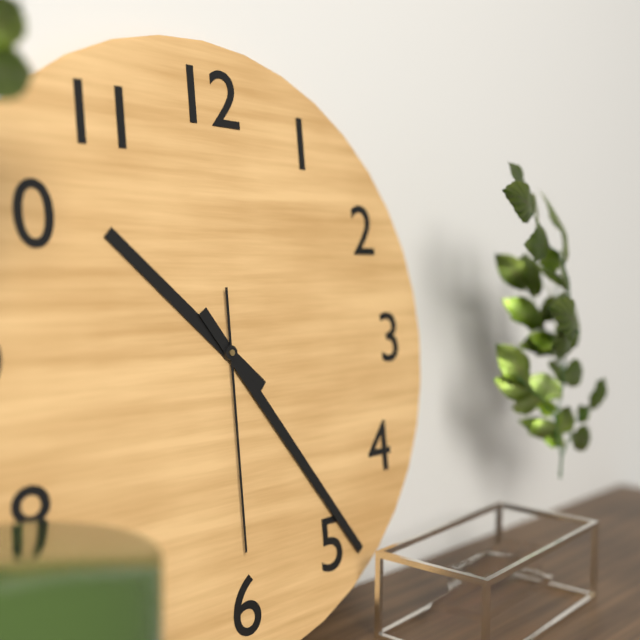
10:24:30
